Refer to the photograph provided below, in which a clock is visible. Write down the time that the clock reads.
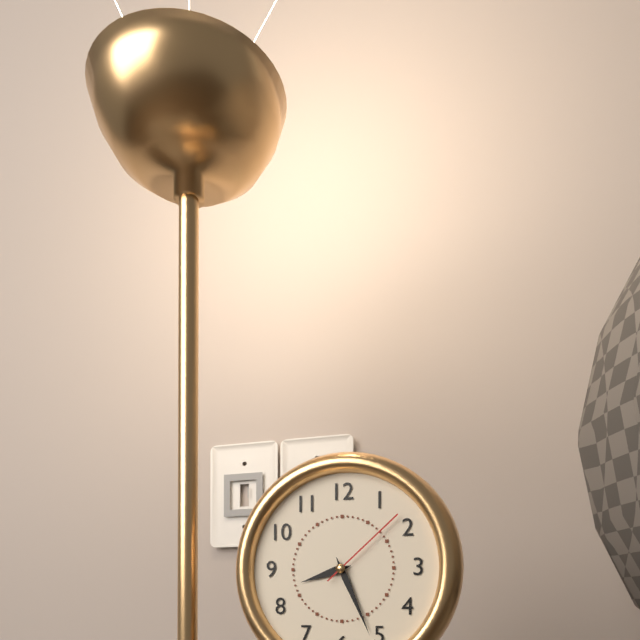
8:26:08
